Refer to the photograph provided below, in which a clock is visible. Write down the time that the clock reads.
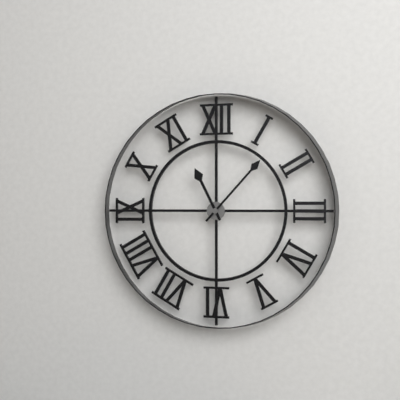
11:07
